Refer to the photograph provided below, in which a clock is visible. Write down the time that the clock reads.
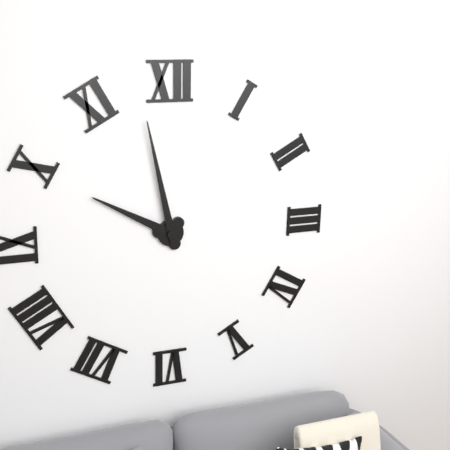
9:58
